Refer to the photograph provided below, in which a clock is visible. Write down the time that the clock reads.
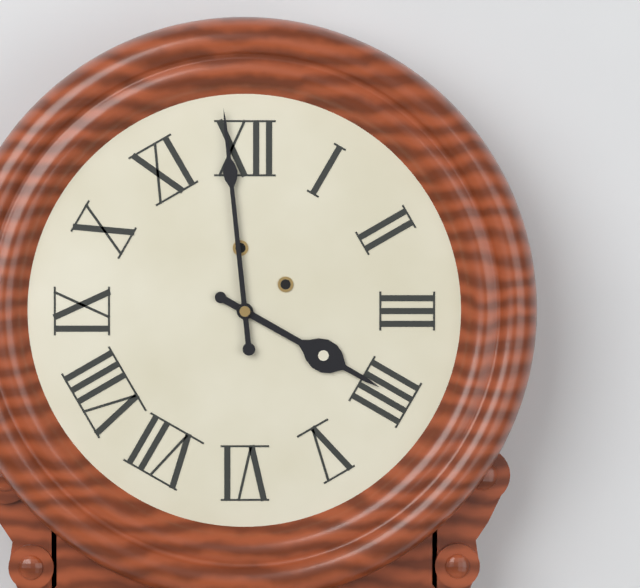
3:59
